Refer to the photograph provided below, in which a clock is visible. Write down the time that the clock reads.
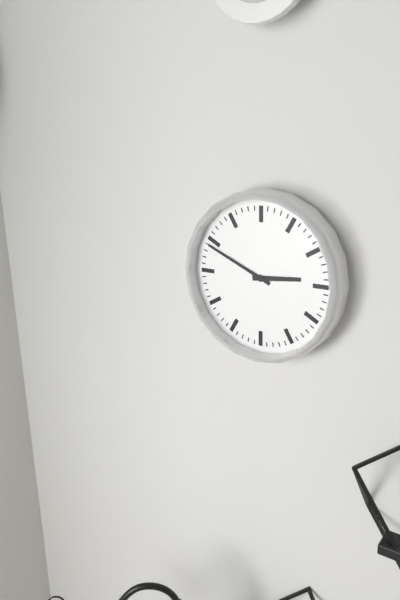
2:49
